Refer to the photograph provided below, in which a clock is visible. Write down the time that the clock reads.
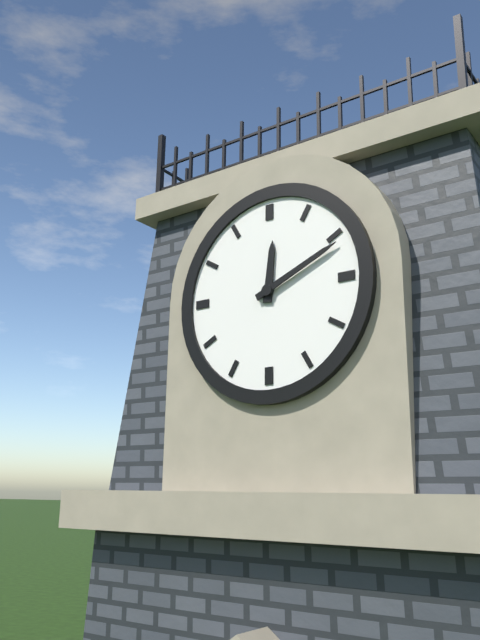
12:11
